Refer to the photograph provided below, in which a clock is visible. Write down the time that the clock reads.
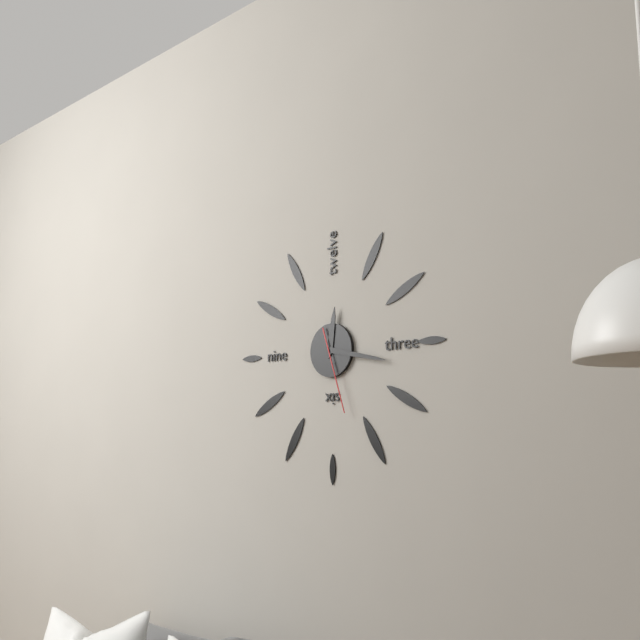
12:17:27
